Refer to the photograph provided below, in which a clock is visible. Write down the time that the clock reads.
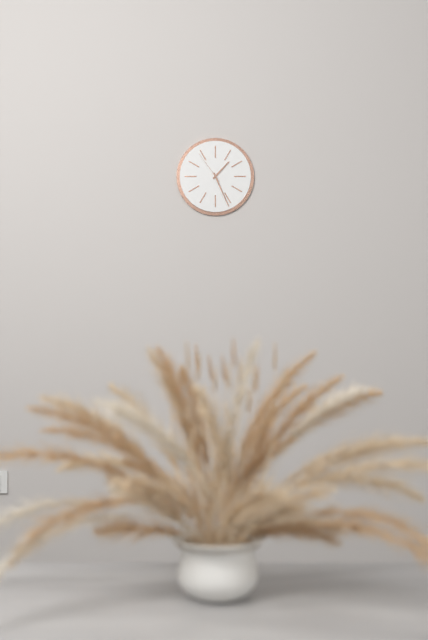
1:26
